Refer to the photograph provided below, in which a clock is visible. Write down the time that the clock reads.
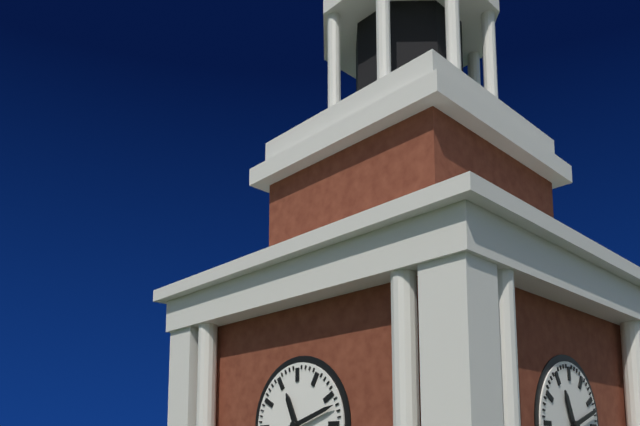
11:12
